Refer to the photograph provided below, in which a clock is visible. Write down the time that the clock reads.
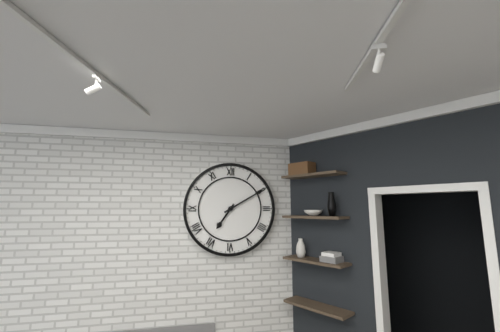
7:10
